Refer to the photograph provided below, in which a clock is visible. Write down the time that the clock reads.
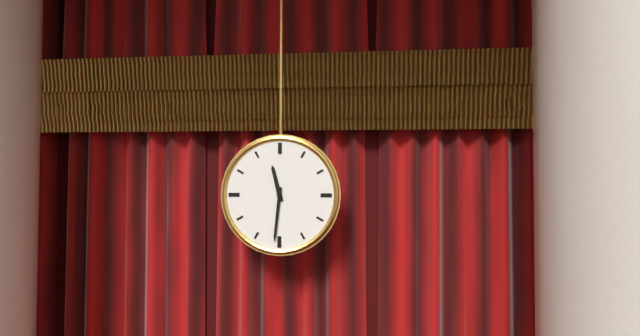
11:31
